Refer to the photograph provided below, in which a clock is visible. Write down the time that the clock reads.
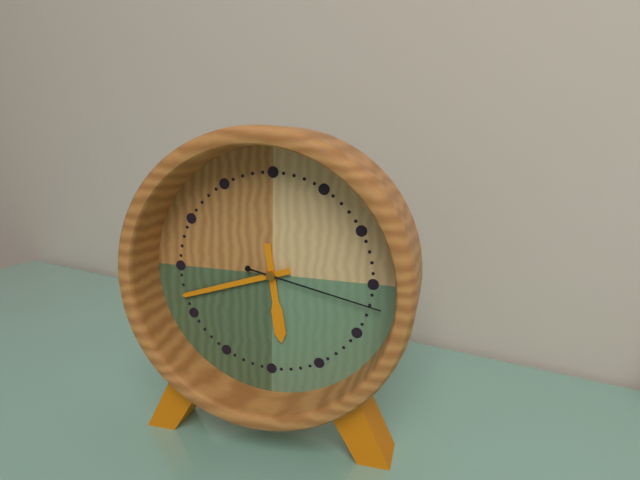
5:42:17
